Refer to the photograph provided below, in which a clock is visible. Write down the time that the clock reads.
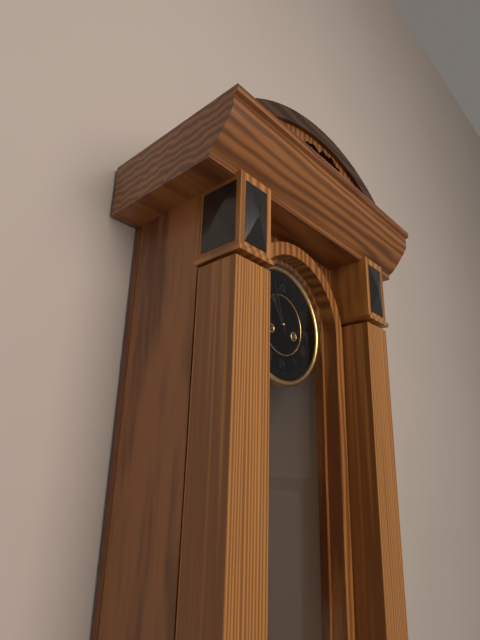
10:57
